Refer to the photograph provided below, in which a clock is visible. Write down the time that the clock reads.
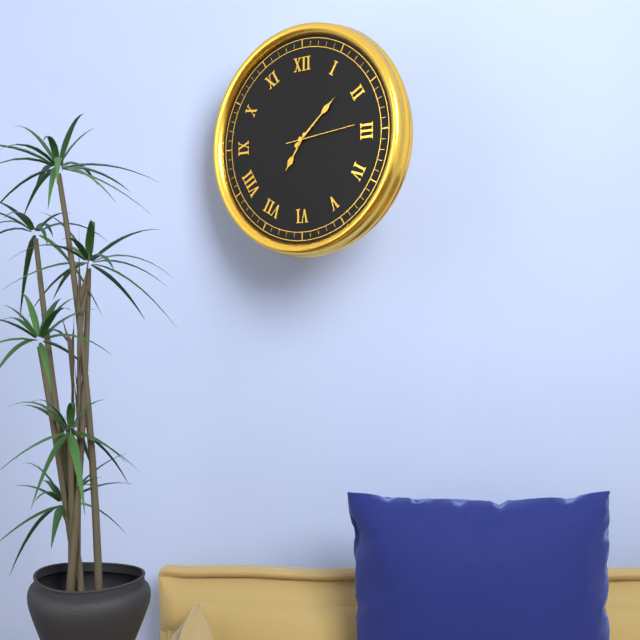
7:08:14
